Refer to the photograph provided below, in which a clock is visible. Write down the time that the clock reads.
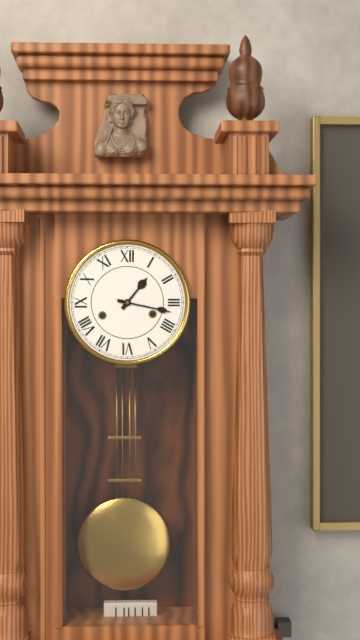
1:17
